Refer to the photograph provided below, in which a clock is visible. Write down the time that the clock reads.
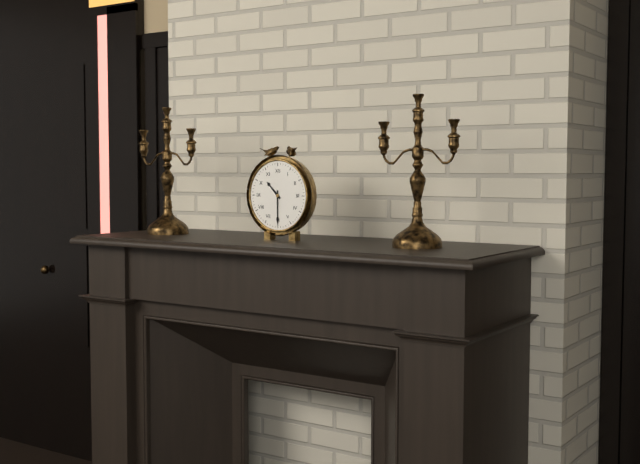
10:30
